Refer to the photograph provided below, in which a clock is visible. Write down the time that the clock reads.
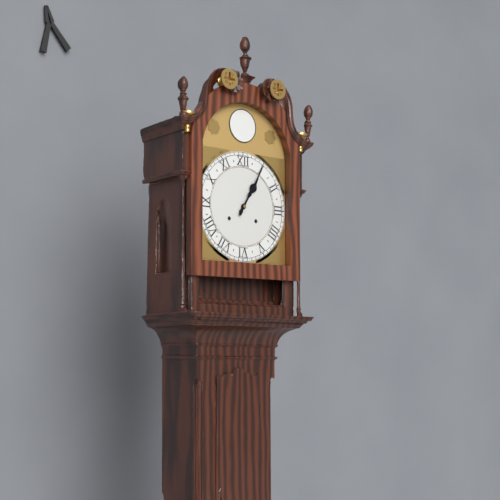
1:05
